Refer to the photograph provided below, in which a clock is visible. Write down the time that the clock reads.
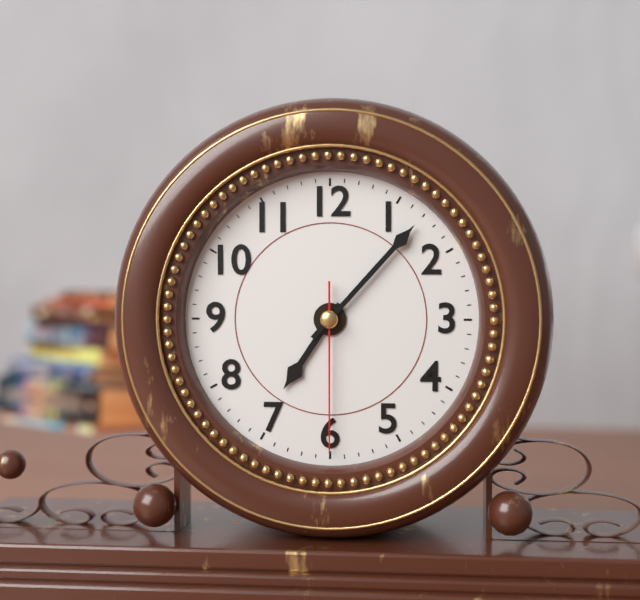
7:07:30
